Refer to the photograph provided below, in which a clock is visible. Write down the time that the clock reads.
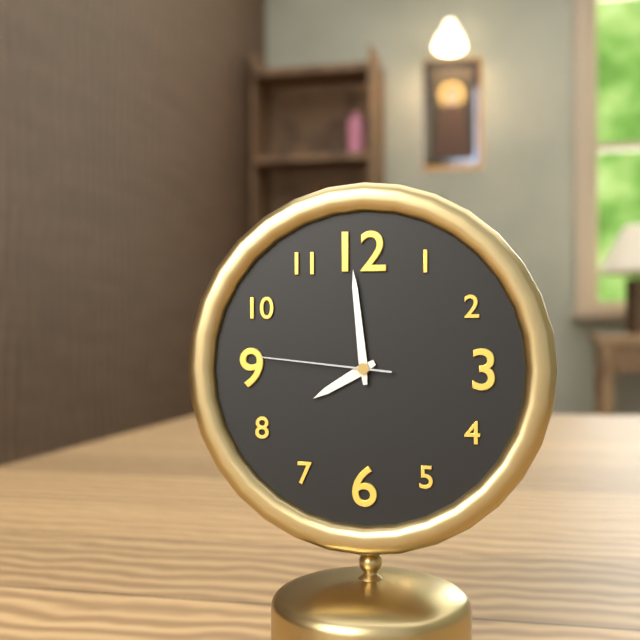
7:59:46
